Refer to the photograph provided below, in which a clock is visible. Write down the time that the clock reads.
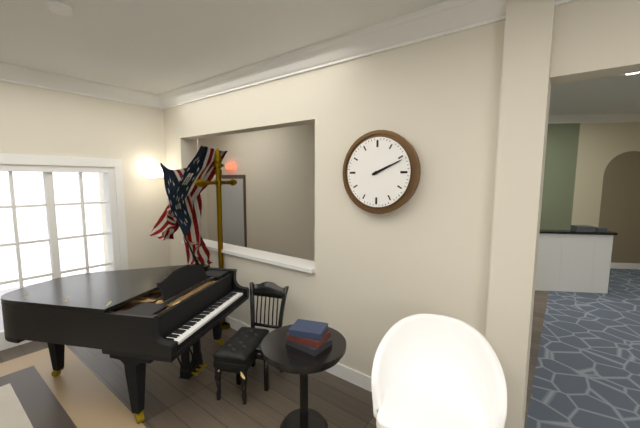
2:11
